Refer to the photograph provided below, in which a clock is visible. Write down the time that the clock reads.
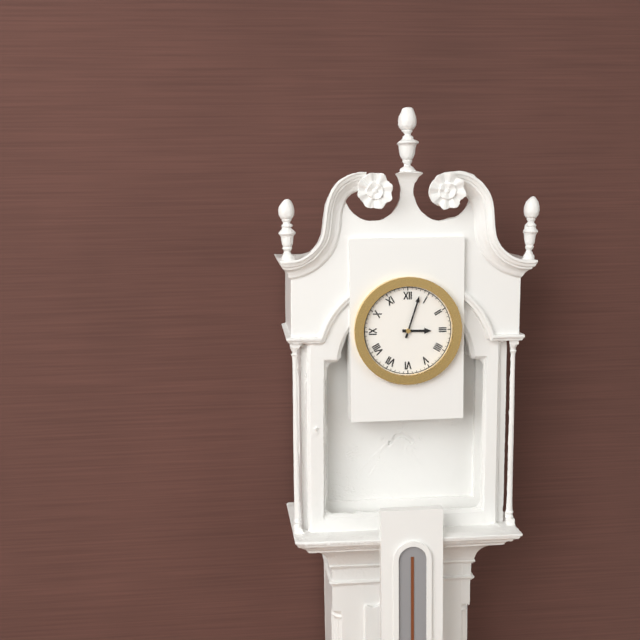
3:03
